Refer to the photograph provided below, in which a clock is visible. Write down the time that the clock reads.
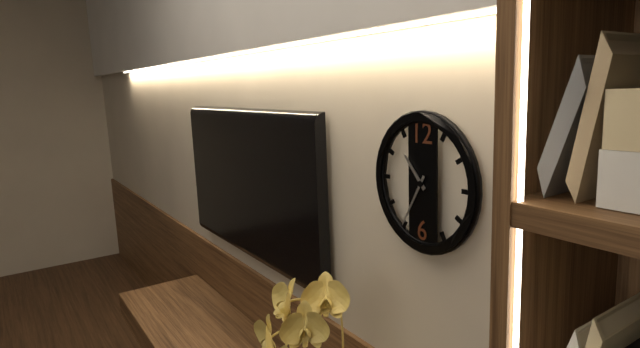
10:35
